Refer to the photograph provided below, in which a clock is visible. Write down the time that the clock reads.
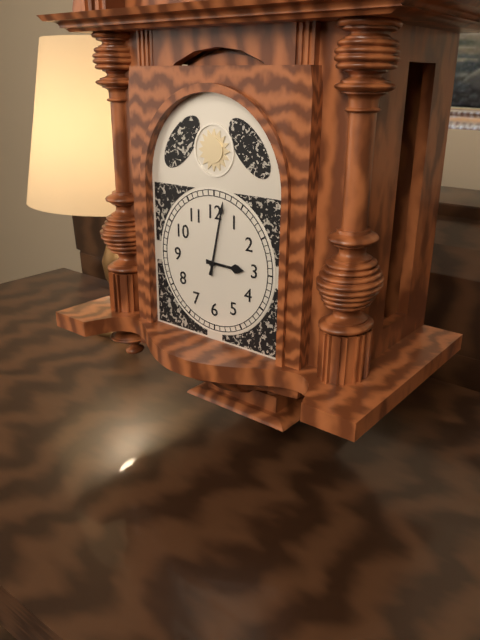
3:02
